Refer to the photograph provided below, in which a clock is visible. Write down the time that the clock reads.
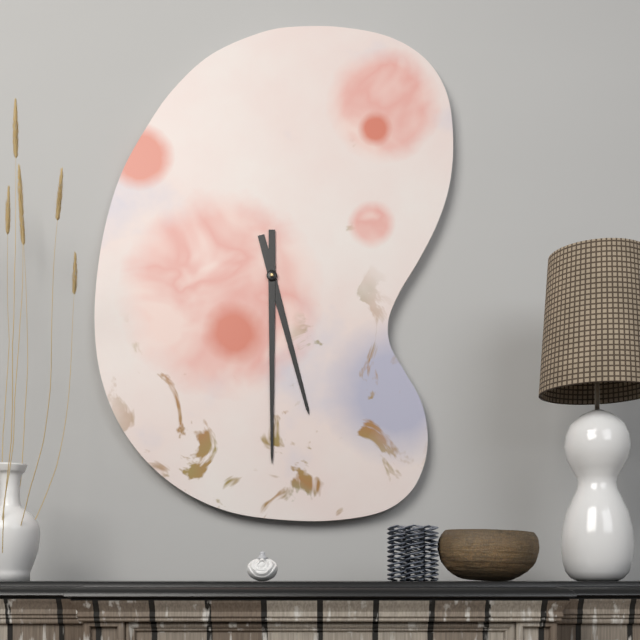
5:30
